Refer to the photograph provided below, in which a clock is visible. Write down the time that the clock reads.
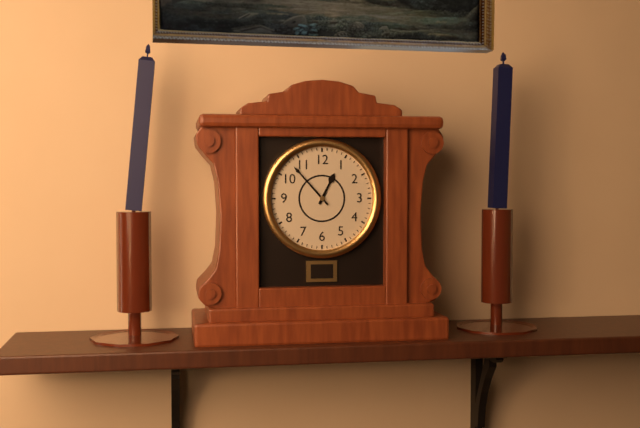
12:53
